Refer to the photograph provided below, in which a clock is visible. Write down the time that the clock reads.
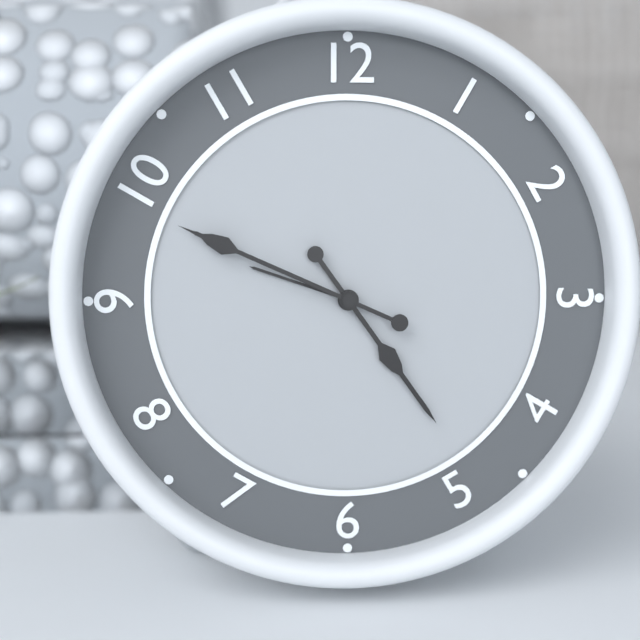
4:49
